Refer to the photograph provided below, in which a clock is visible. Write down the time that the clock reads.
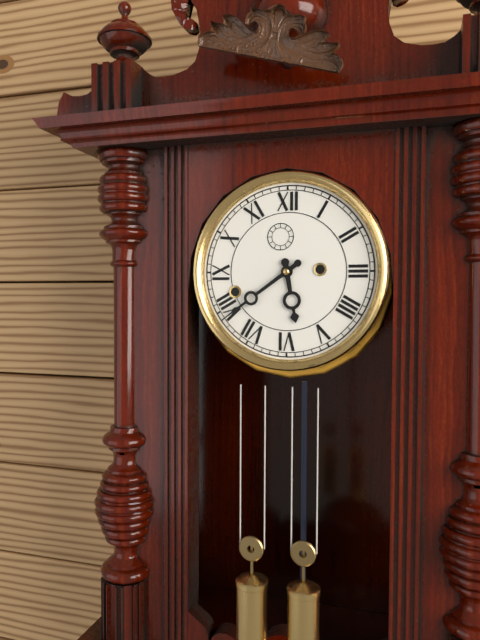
5:39
